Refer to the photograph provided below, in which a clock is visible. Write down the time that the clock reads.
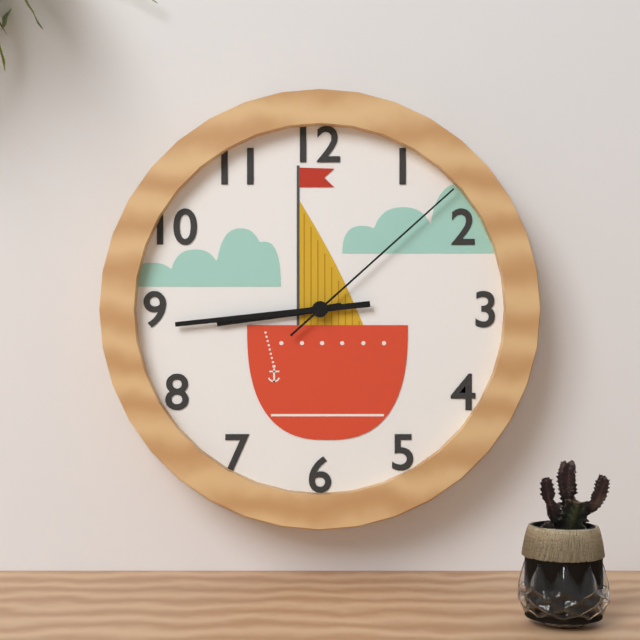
8:44:08
